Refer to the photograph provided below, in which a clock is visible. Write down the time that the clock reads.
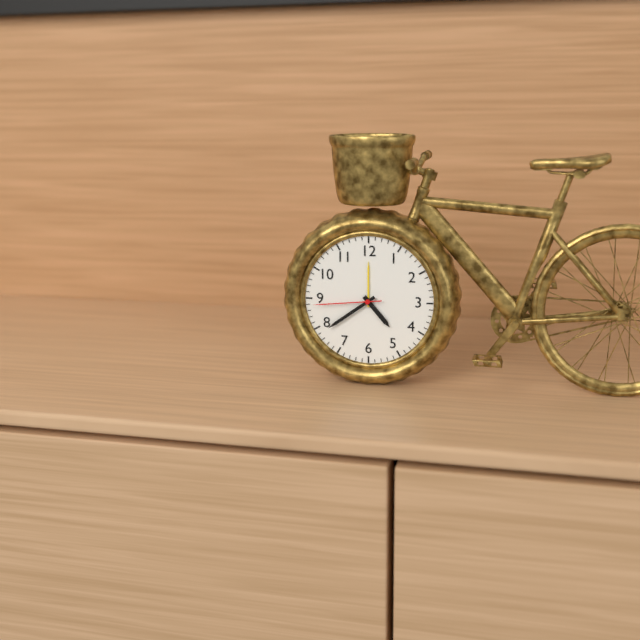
4:39:44
